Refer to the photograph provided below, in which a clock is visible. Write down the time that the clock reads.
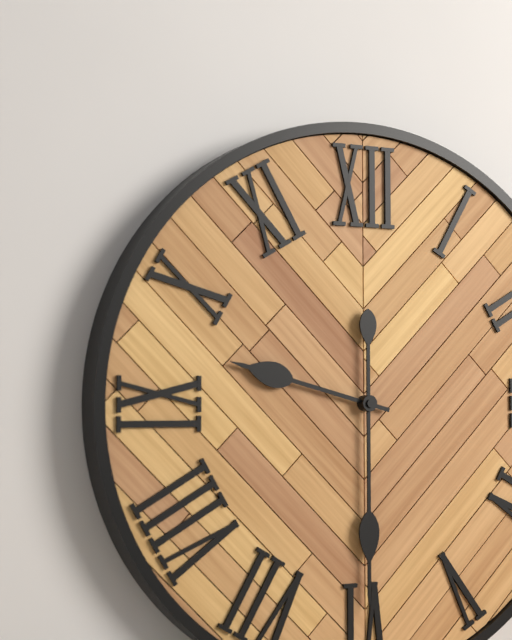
9:30
